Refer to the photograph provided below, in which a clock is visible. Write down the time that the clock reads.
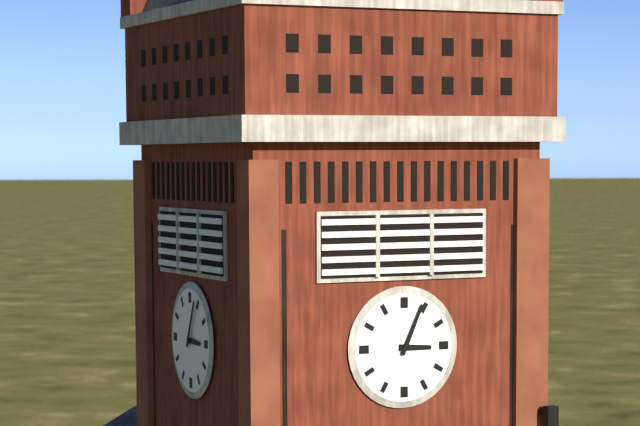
3:04
